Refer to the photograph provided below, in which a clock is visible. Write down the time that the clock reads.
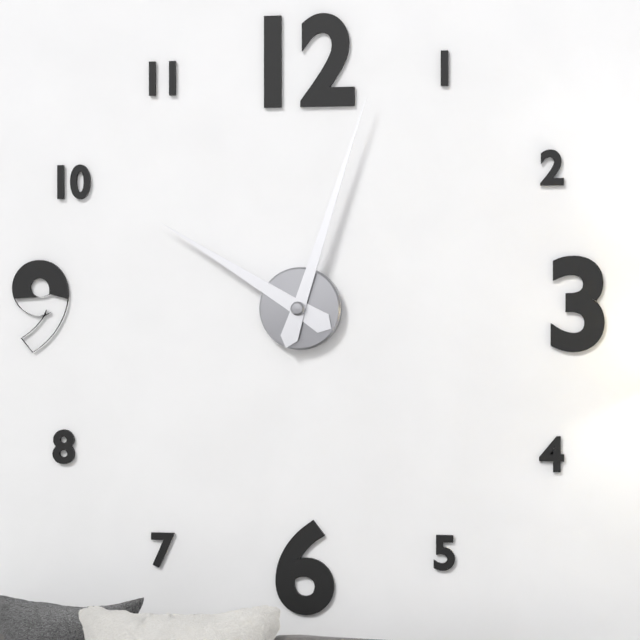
10:03
